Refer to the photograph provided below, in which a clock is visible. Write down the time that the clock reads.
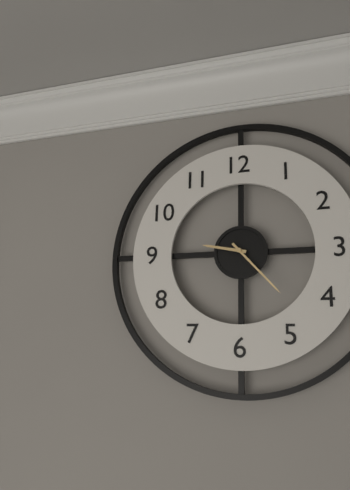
9:23
